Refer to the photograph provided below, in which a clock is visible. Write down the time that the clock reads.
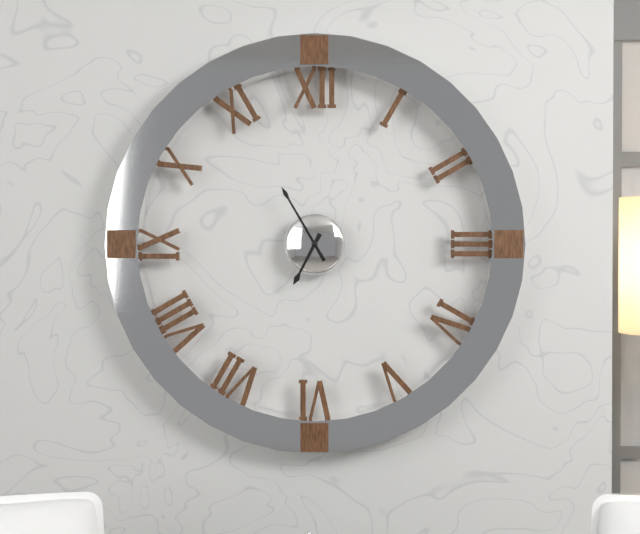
6:55
